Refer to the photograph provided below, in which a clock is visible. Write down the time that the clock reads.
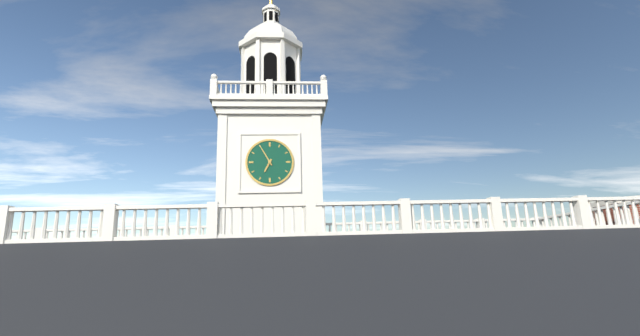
6:55
